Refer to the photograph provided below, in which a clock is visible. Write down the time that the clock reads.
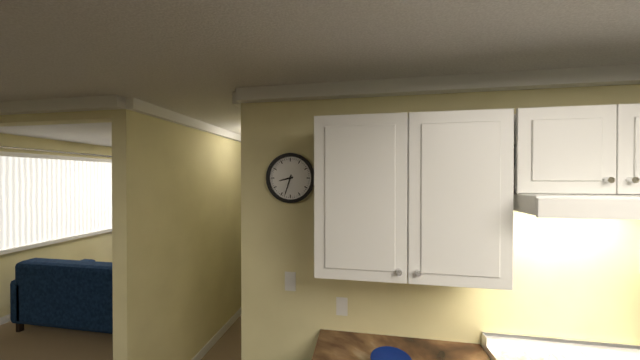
8:33
